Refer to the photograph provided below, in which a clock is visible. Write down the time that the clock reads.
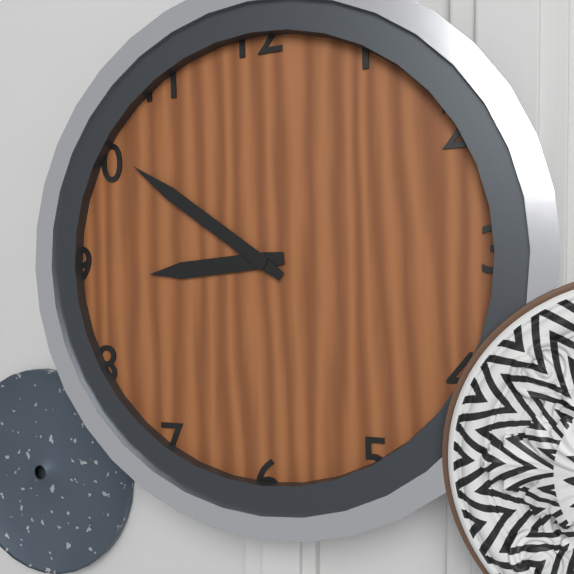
8:51
